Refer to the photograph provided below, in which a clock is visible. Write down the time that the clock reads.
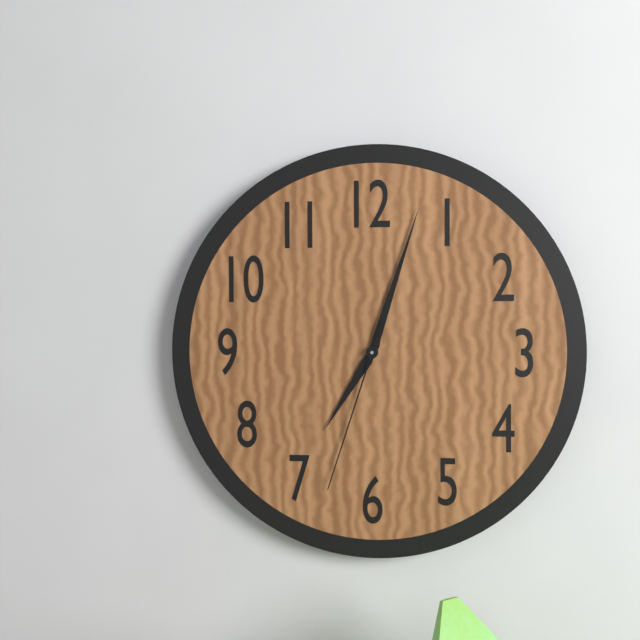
7:03:33
